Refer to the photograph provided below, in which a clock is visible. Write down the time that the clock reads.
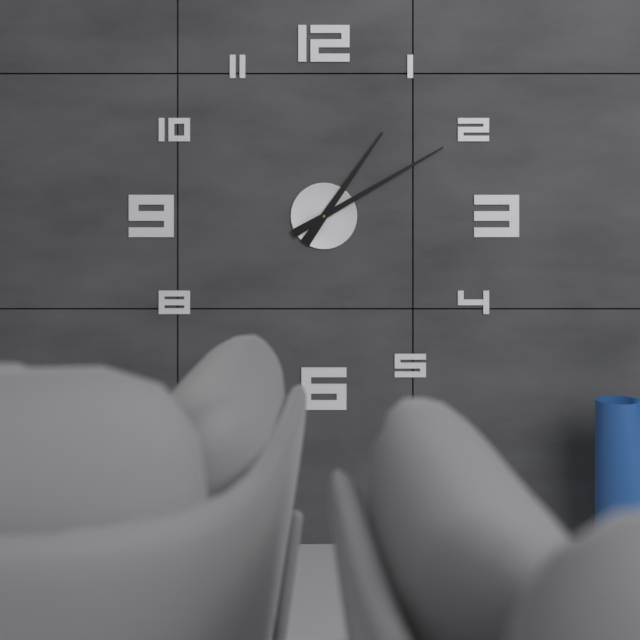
1:10
